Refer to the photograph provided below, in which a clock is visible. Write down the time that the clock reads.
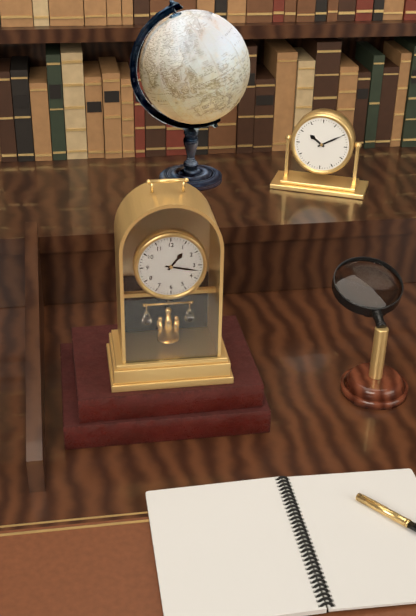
1:17
